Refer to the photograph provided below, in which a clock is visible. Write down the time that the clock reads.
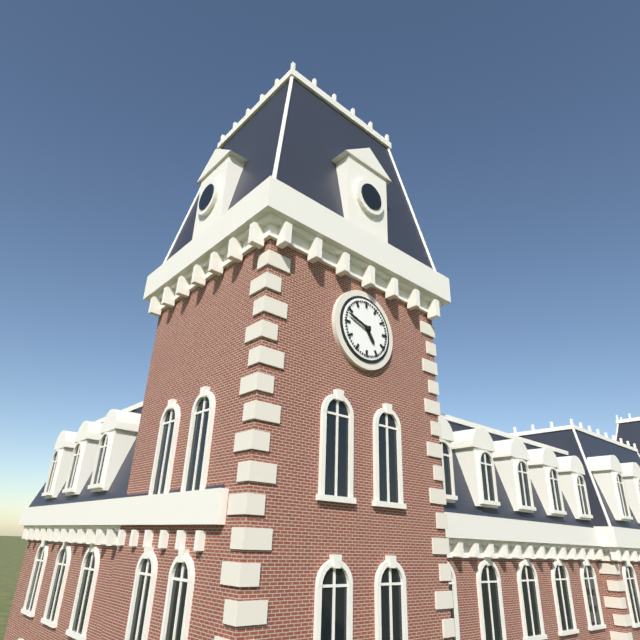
4:48
